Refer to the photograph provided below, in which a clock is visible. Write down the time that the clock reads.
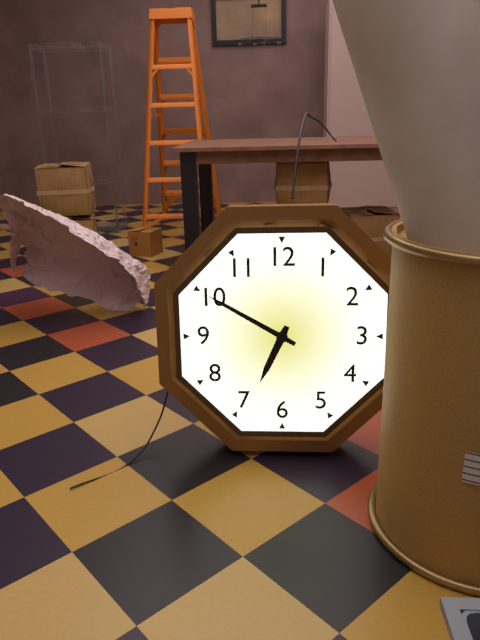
6:50
